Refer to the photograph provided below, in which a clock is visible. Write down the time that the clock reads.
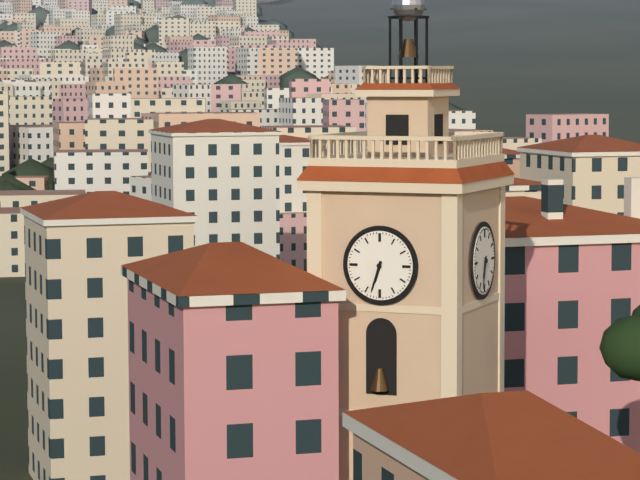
6:33
